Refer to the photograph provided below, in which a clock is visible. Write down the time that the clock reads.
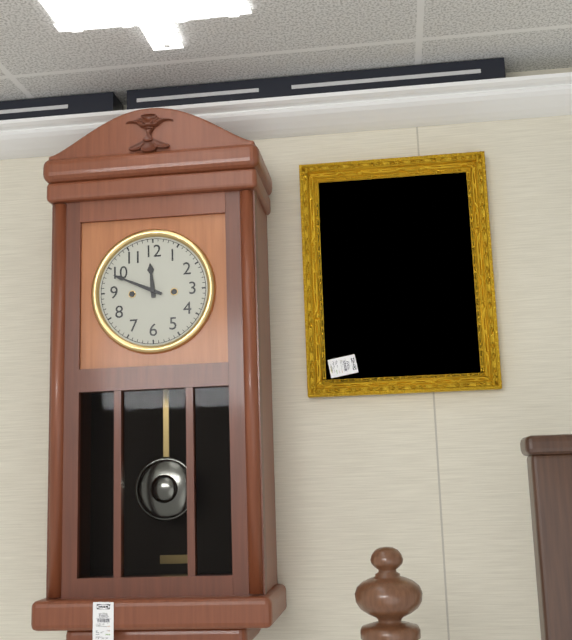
11:49
